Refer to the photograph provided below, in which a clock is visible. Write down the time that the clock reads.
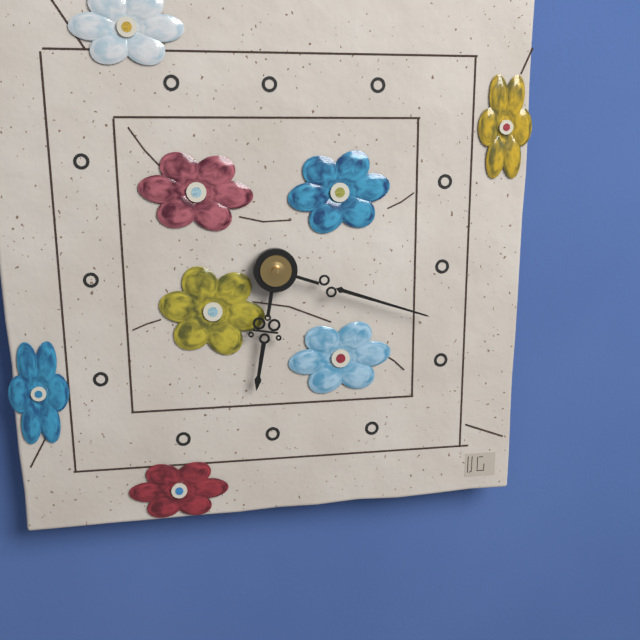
6:18
